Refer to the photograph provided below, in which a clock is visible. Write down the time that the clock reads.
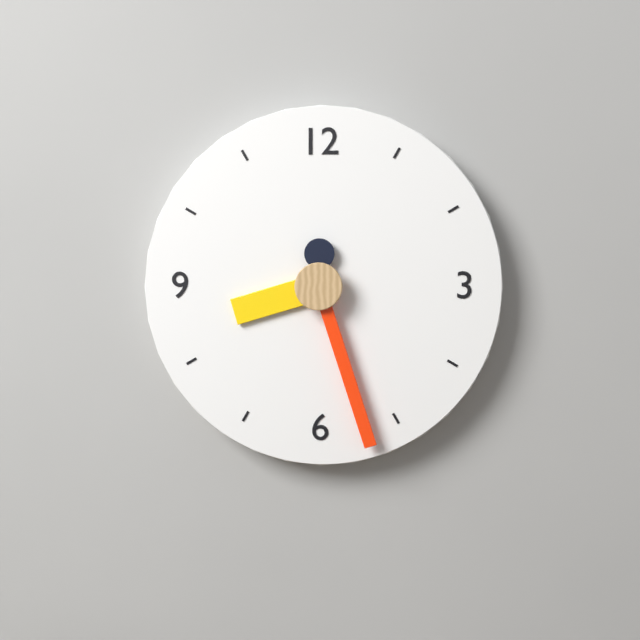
8:27
